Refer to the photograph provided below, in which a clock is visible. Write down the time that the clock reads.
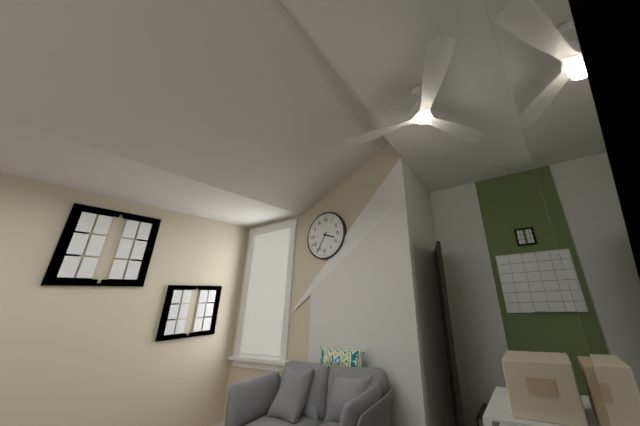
3:35
